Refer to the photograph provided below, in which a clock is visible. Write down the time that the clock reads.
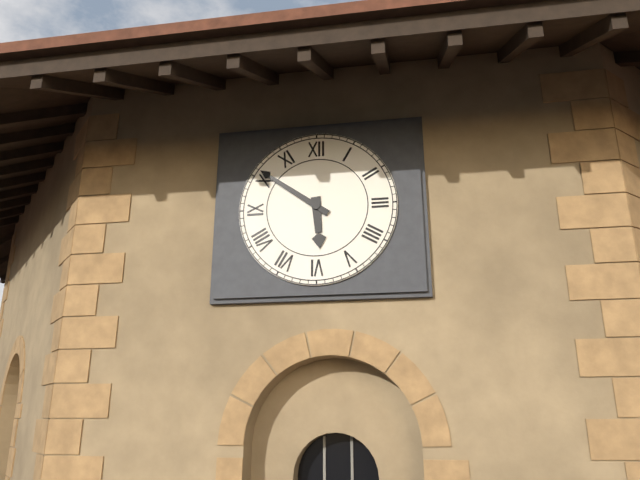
5:51
